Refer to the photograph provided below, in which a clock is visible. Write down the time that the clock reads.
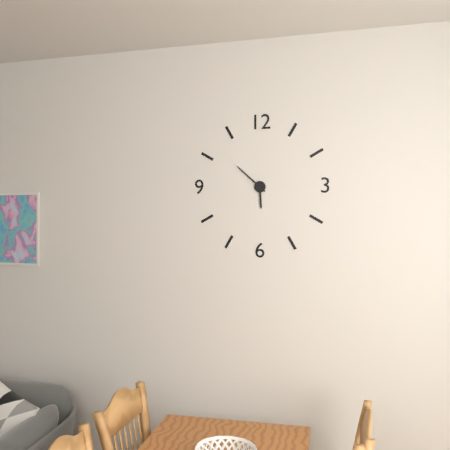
5:52
